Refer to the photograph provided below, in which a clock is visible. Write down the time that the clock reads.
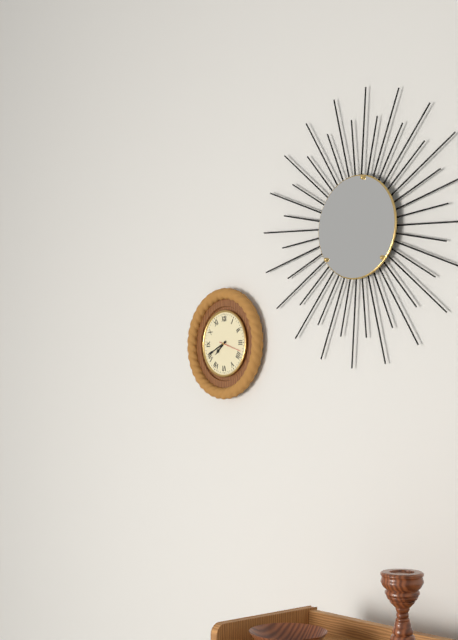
7:41
